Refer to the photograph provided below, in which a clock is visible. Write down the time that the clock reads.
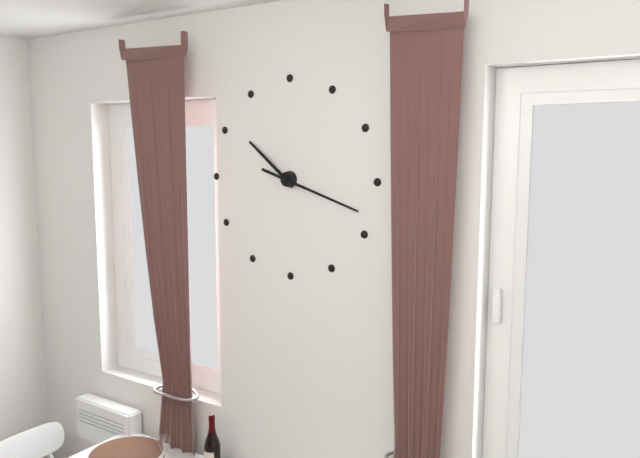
10:18
